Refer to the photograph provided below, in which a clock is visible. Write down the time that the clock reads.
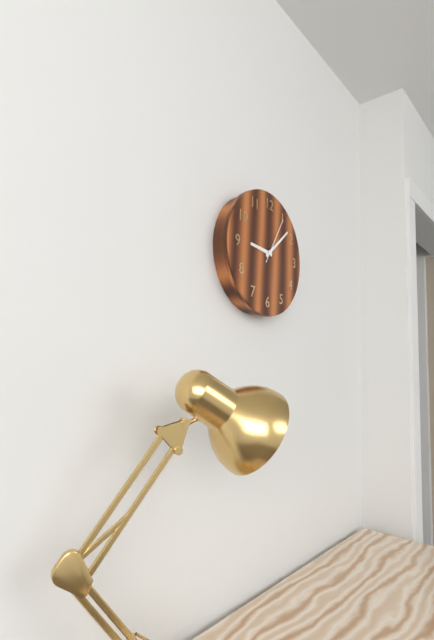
9:08
